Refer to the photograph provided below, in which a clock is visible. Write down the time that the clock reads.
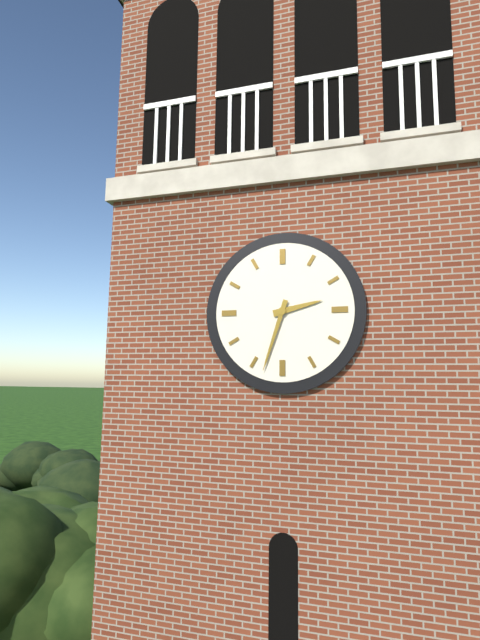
2:33
